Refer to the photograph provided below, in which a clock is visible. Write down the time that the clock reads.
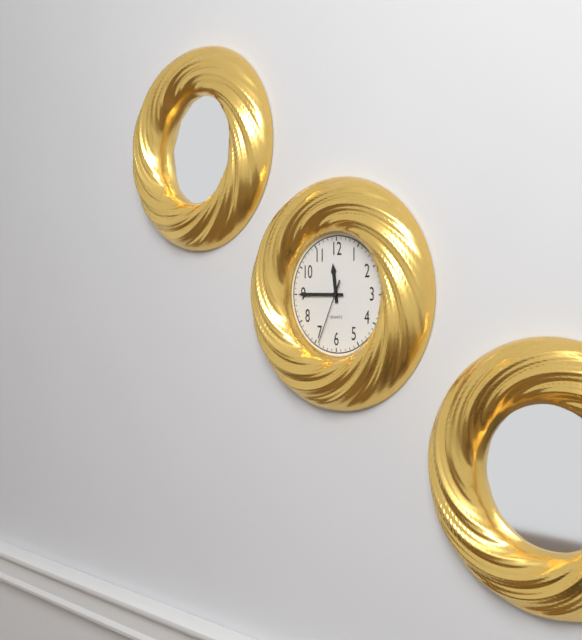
11:45:34
